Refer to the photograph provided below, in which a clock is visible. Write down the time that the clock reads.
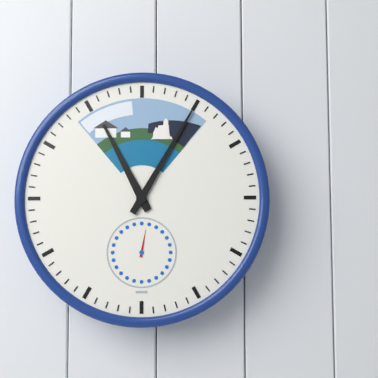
11:05
